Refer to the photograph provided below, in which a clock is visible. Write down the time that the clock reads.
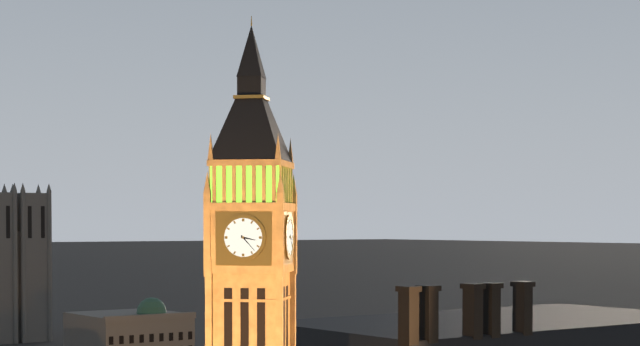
3:23
